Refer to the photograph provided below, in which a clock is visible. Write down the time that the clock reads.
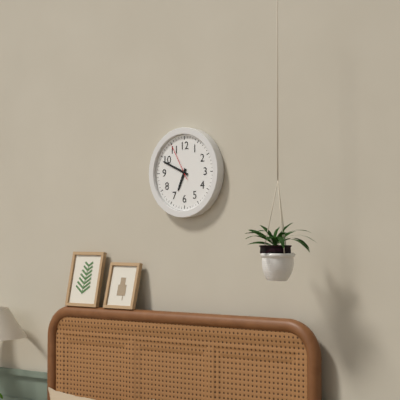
6:49
